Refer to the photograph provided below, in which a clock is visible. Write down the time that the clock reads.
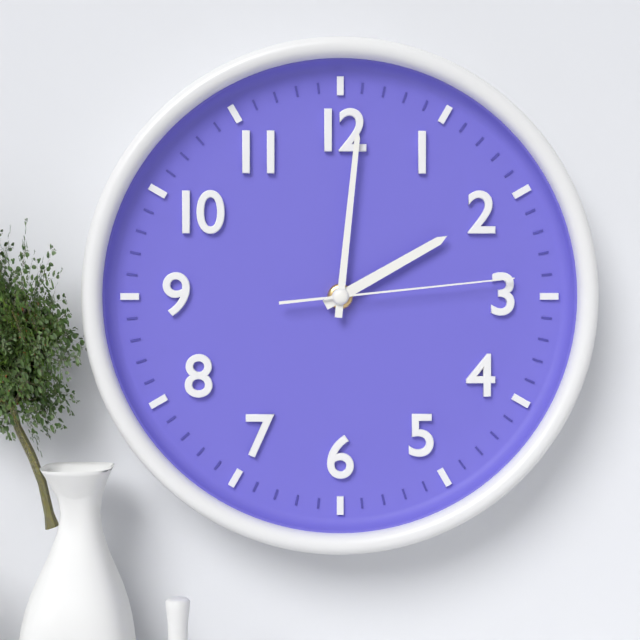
2:01:14
